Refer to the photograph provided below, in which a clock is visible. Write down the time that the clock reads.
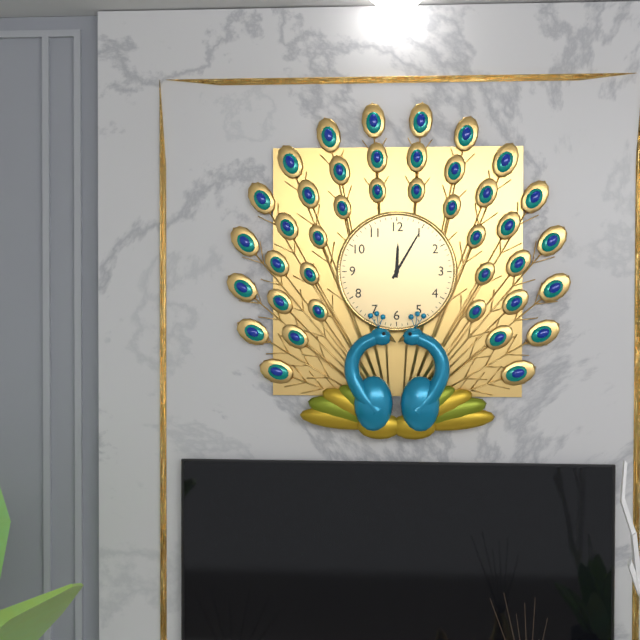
12:05
